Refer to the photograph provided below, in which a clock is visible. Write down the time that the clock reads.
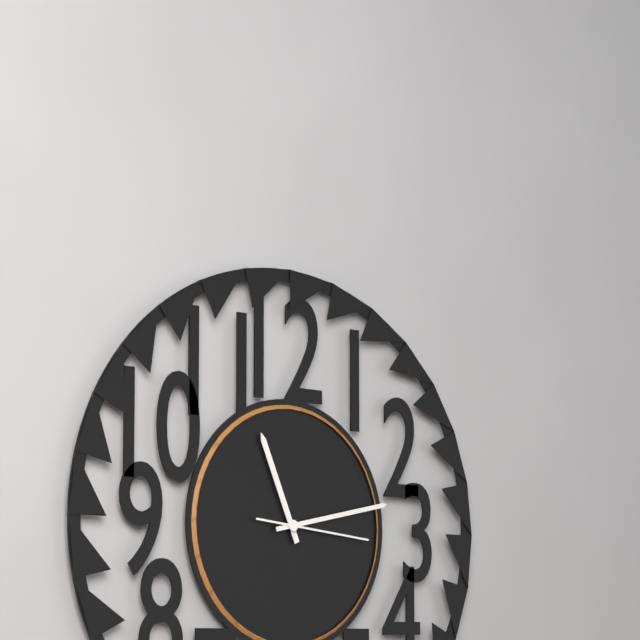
11:13:16
